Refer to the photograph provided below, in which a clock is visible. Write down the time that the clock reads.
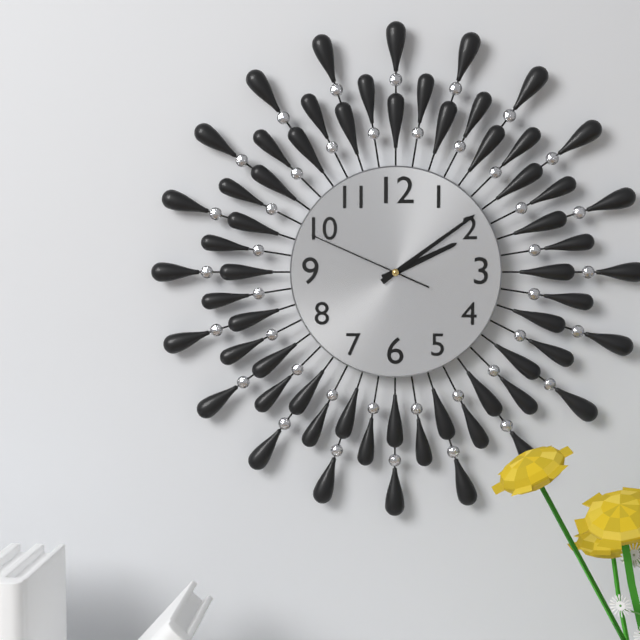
2:09:49
